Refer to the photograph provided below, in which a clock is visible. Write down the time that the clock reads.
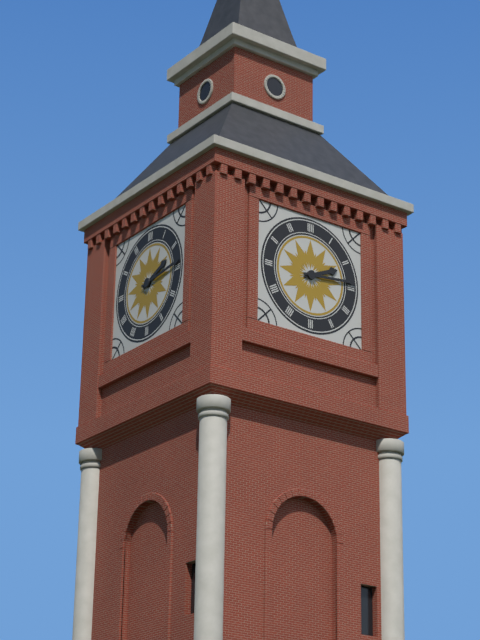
2:14
